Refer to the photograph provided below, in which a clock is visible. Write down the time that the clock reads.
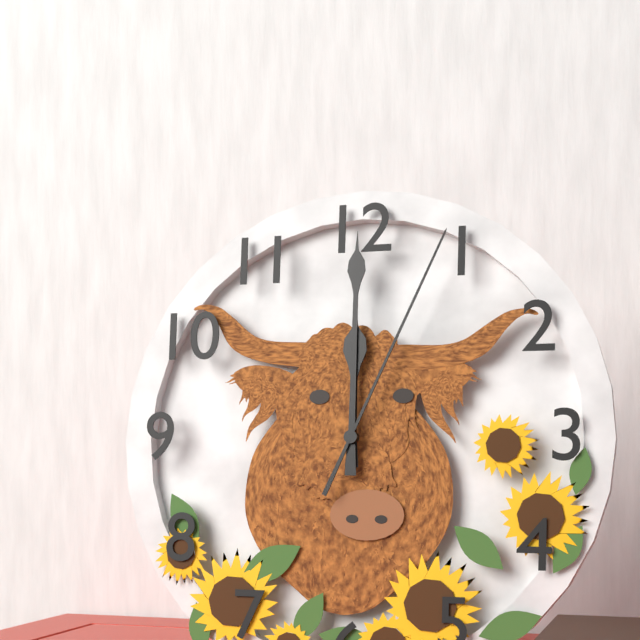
12:00:04
